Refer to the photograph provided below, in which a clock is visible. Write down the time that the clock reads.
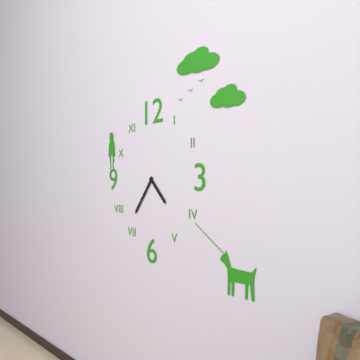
4:36
